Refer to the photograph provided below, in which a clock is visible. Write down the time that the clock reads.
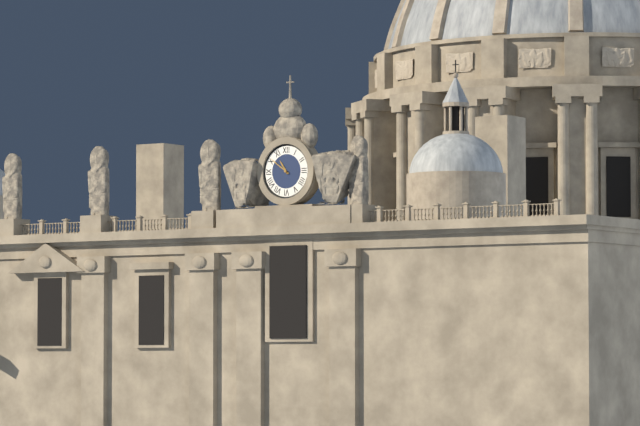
10:51
